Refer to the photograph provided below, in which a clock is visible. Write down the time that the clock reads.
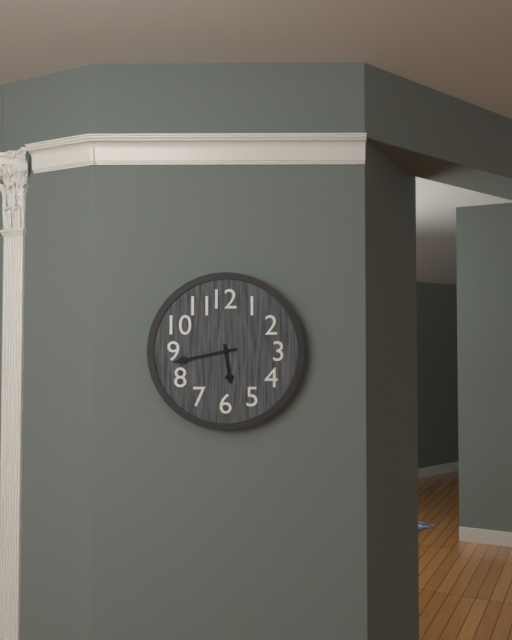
5:43
